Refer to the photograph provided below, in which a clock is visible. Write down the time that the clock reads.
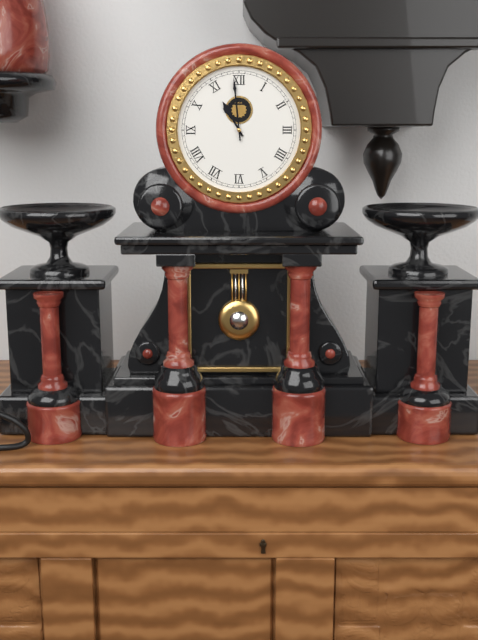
10:59
